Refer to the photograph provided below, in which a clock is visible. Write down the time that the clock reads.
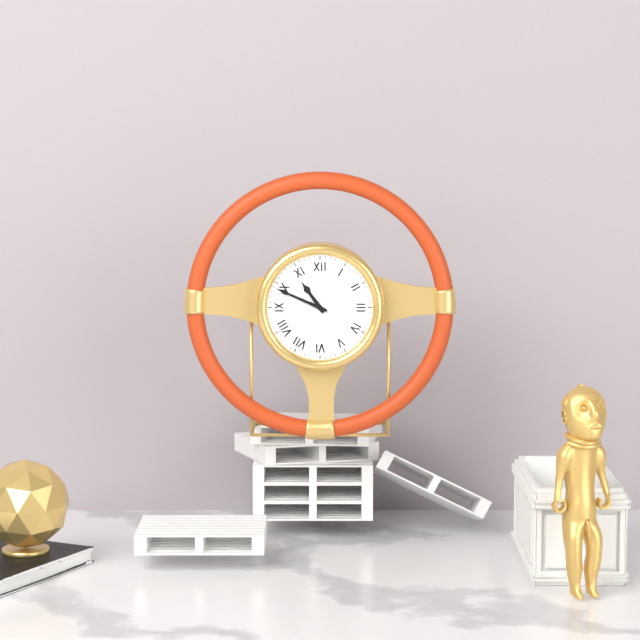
10:49
